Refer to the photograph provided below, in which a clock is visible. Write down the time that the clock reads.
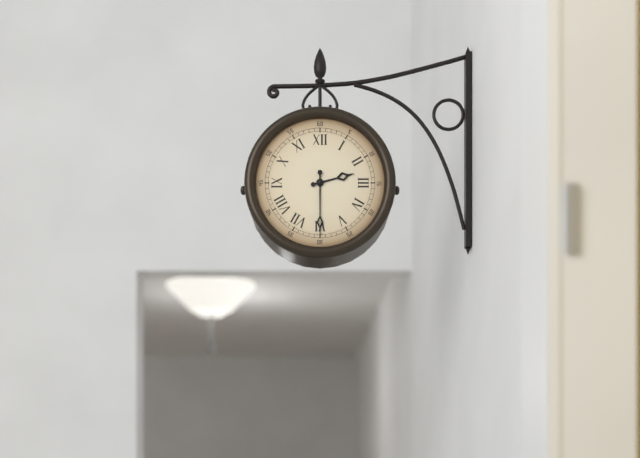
2:30
